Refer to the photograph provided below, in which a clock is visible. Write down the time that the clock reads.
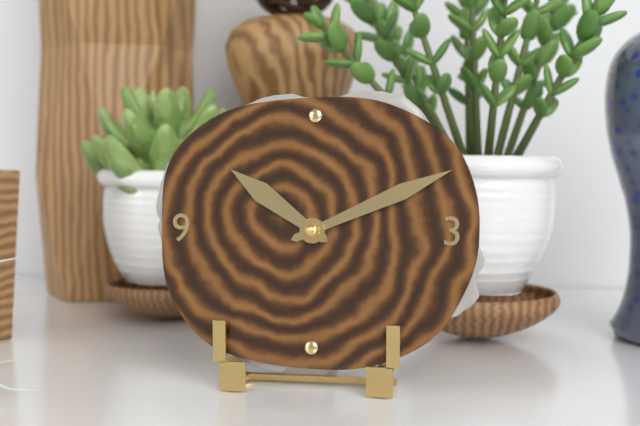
10:11
